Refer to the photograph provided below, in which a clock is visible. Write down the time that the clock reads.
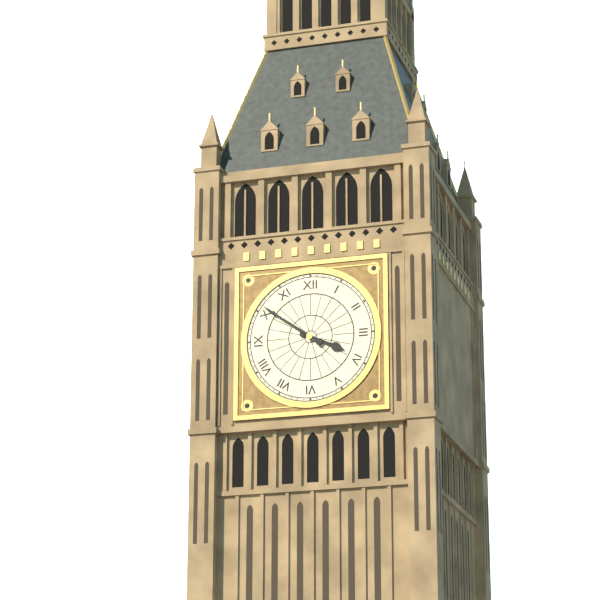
3:51
